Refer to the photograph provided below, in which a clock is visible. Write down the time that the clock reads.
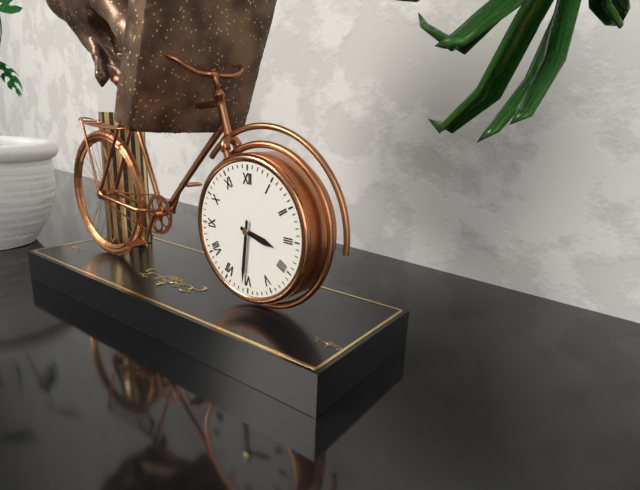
3:31
